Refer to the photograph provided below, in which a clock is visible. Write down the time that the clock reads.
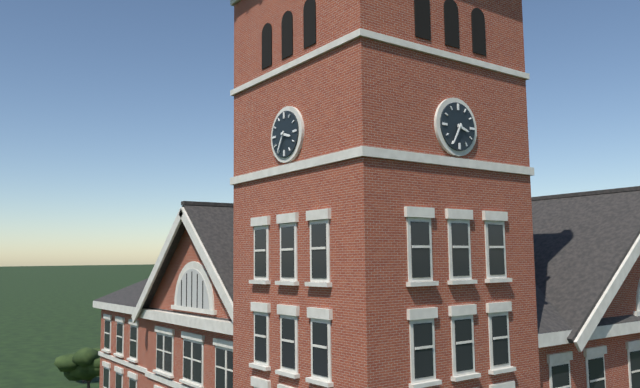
3:35
